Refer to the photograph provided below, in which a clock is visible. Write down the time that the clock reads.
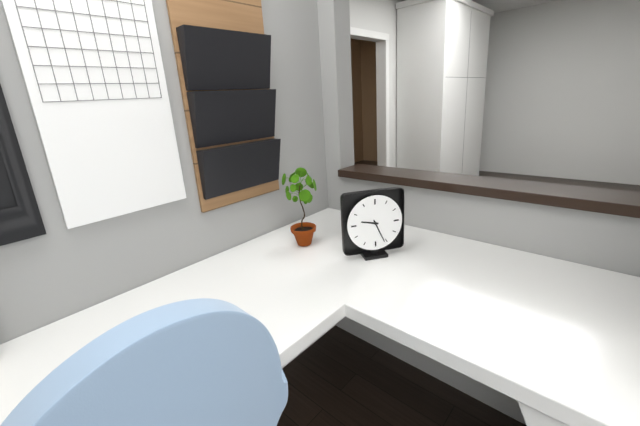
9:26
